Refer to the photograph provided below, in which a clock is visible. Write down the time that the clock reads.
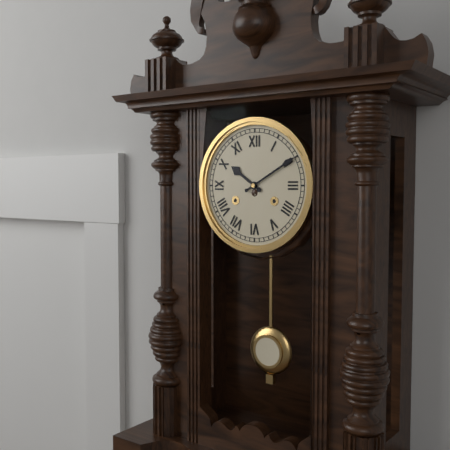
10:10
